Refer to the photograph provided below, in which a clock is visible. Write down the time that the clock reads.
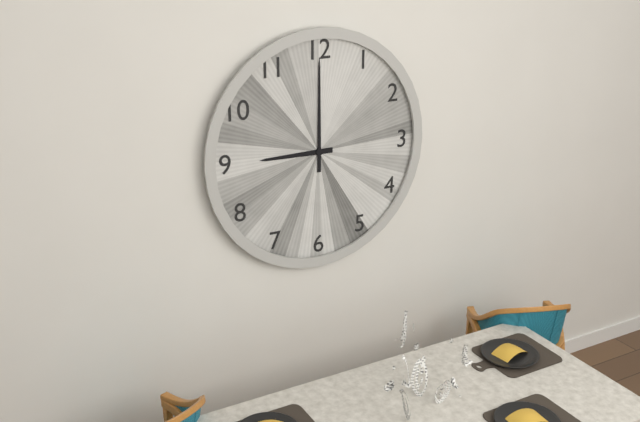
9:00
